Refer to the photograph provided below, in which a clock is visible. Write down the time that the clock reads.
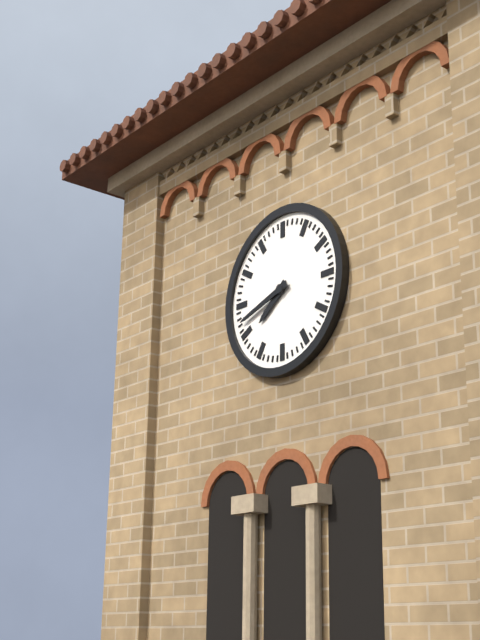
7:42
